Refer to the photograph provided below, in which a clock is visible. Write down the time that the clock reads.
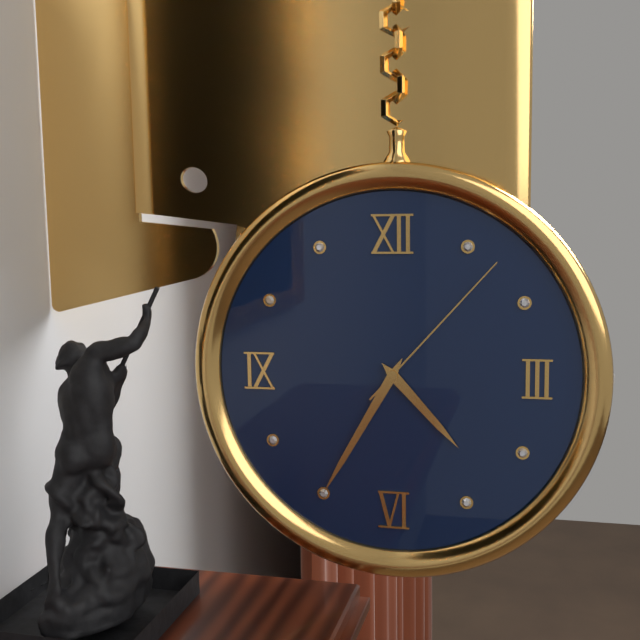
4:35:07
